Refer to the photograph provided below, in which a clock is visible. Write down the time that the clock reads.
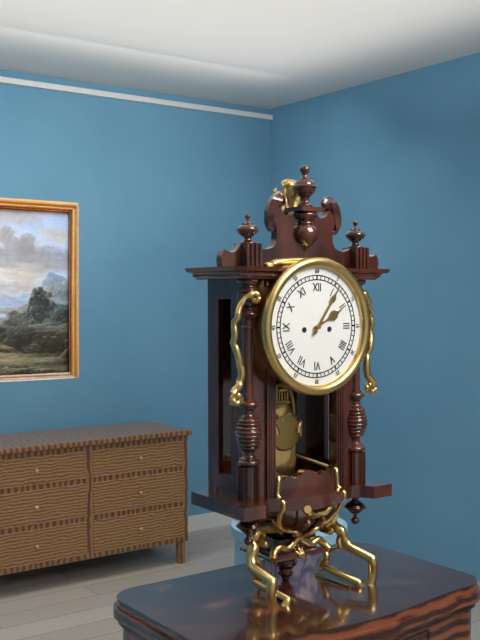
2:06
